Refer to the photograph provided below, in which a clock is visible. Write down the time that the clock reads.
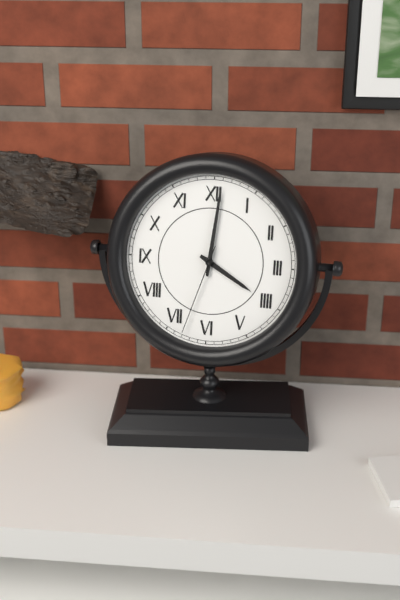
4:01:33
